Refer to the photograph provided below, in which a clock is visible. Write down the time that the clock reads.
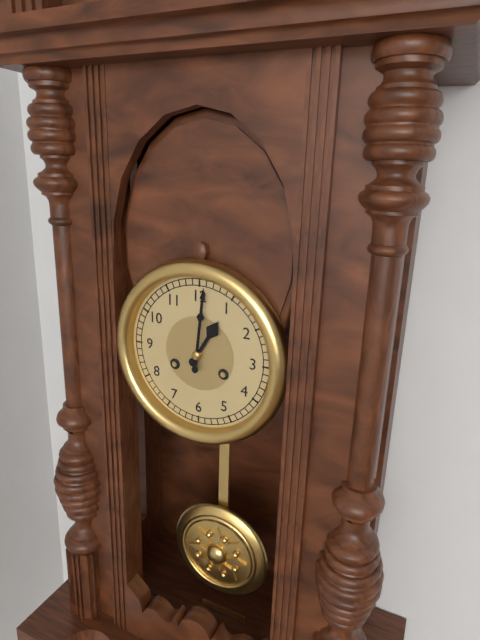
1:01
